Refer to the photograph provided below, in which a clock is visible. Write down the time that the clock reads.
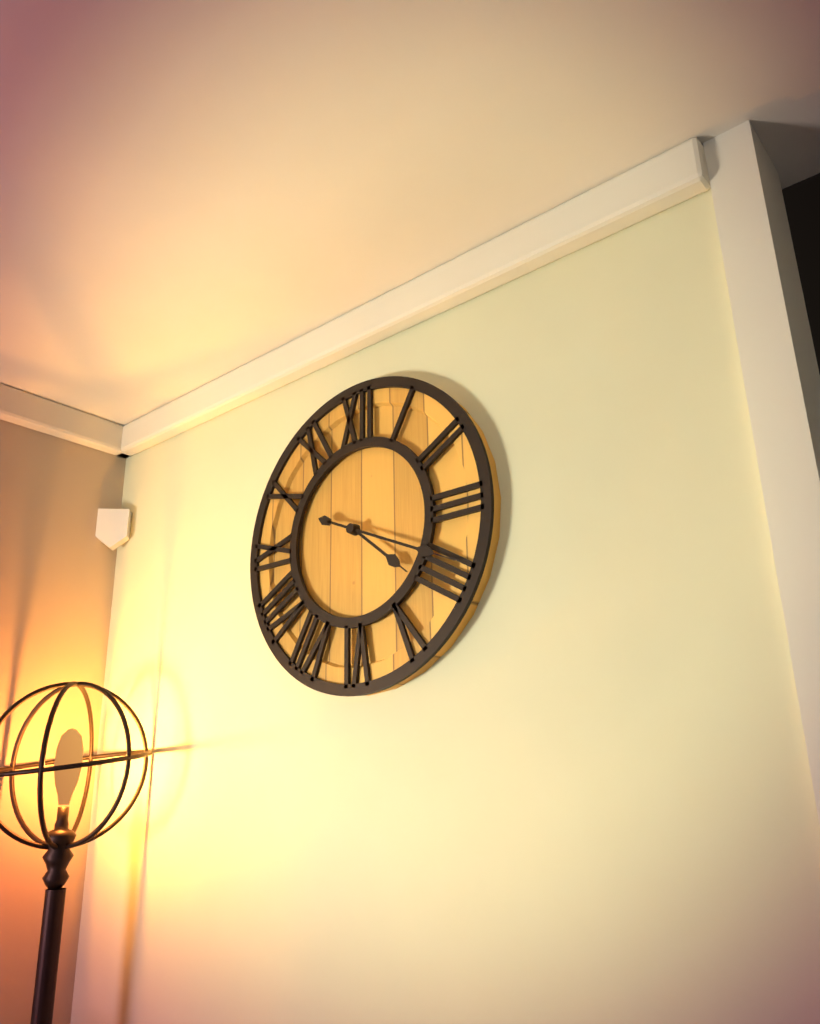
4:19
